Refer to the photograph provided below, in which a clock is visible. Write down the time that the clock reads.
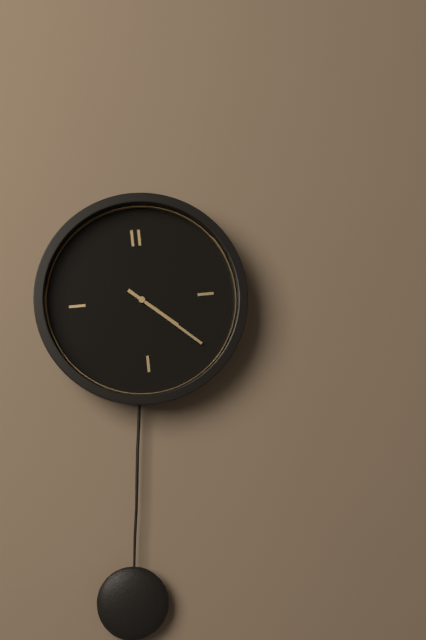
4:22
